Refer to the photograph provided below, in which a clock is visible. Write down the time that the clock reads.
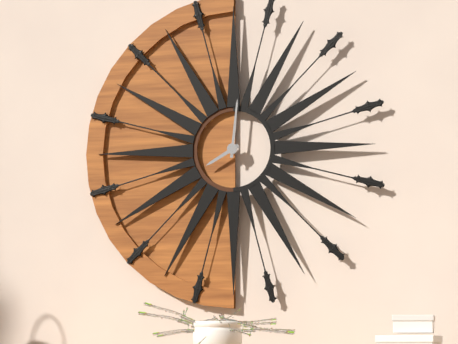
8:01
